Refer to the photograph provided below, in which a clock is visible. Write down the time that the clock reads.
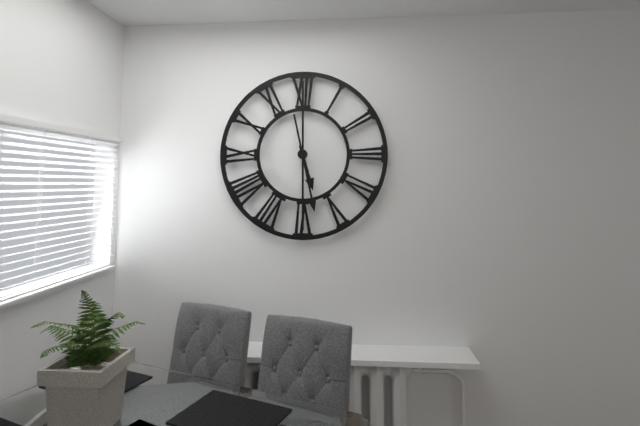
5:28
